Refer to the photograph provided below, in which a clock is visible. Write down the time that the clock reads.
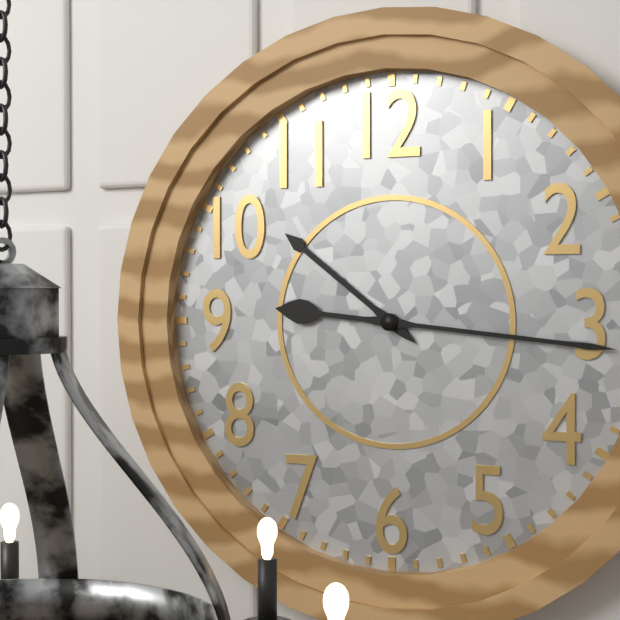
10:16
